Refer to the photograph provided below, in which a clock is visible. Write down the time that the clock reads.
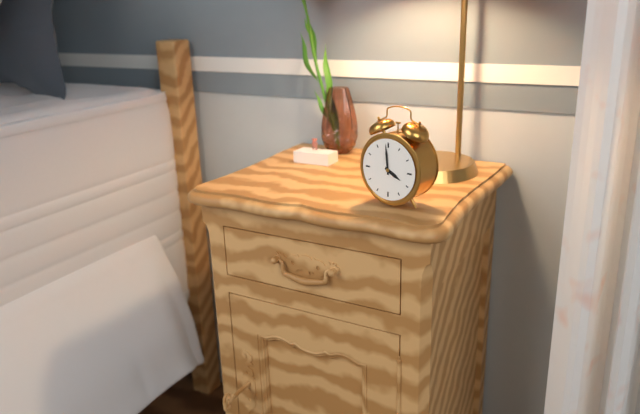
3:59
